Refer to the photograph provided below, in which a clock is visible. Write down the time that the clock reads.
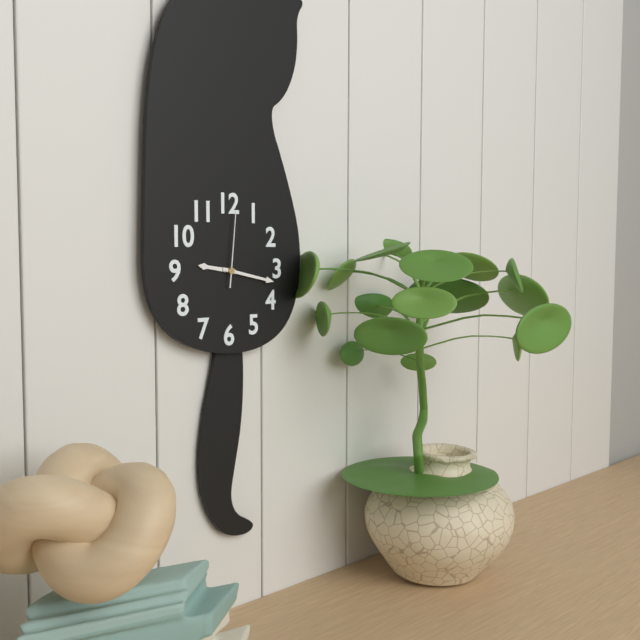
9:17:01
